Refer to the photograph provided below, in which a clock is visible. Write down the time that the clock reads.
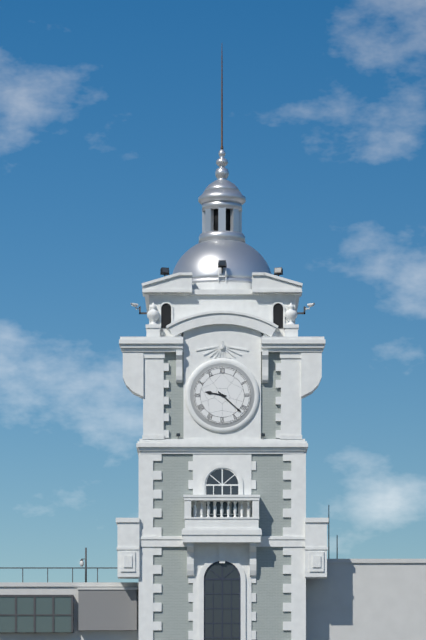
9:22
